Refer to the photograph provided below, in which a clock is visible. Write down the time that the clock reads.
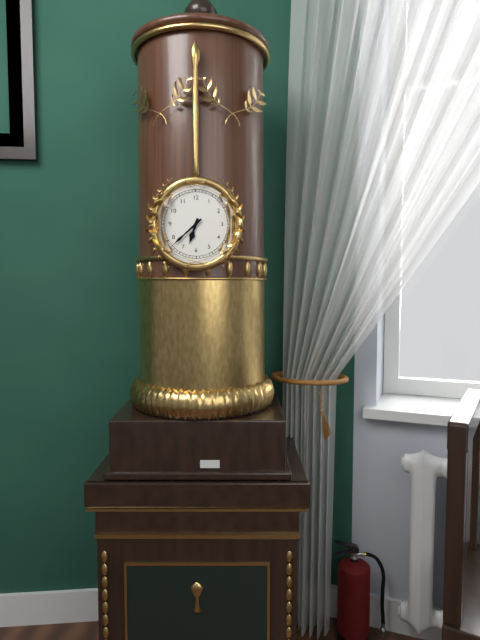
6:38
